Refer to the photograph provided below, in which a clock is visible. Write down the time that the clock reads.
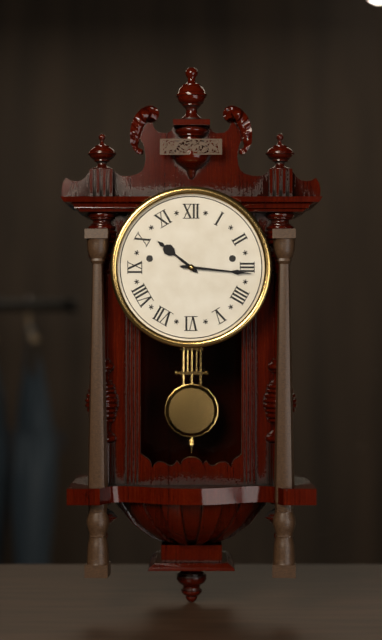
10:16
